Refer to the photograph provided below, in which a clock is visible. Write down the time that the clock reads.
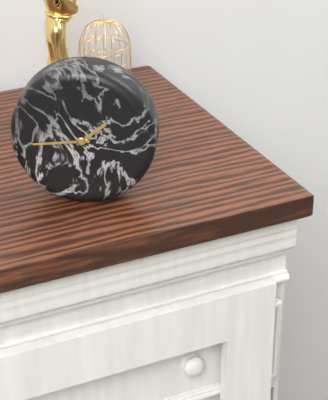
1:44
